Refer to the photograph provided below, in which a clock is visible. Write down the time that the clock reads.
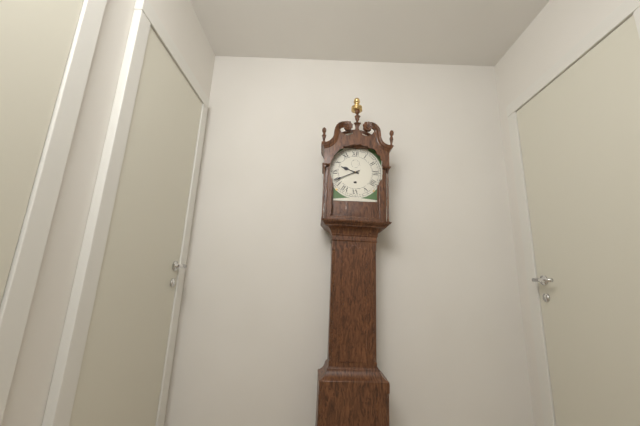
9:41
